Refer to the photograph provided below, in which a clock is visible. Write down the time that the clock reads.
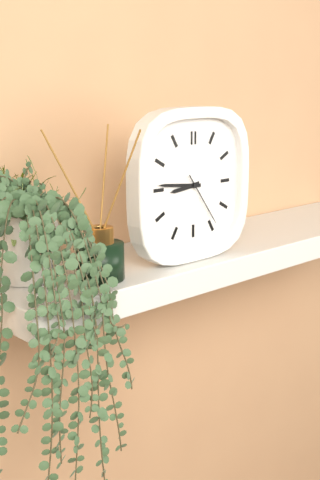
8:46:24
